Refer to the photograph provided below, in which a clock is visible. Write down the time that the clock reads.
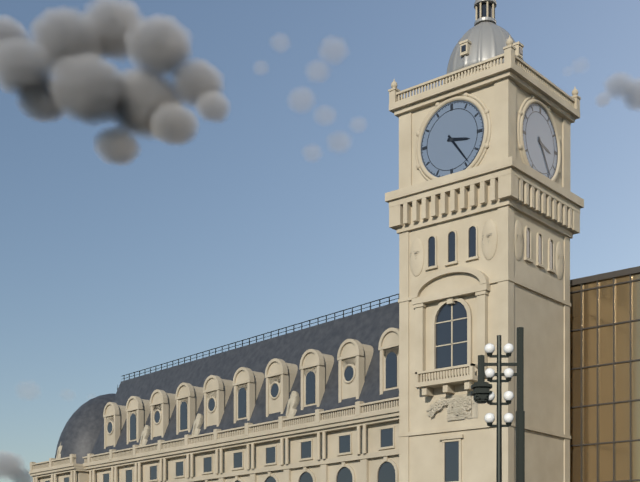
3:24
